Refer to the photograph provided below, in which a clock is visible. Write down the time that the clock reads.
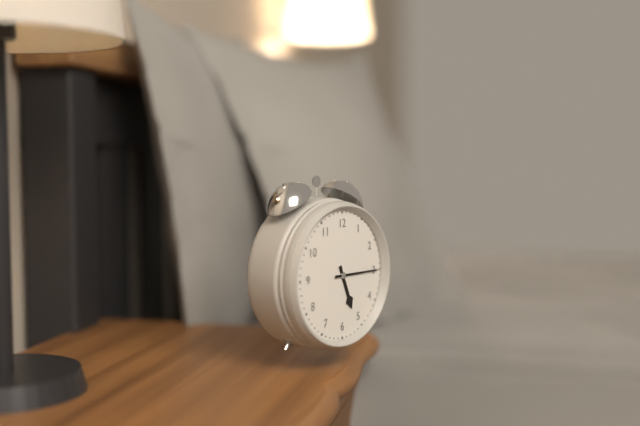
5:15
